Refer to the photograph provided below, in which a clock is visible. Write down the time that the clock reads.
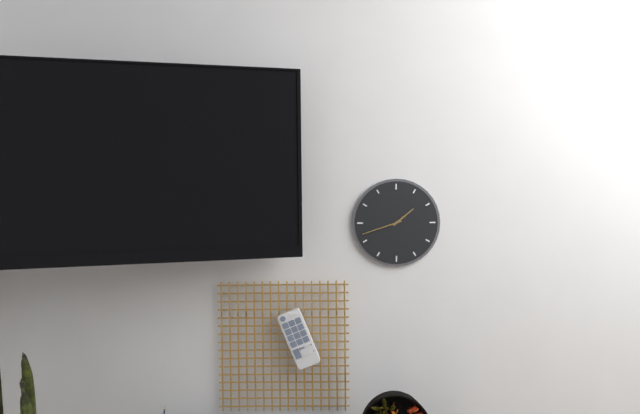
1:42
